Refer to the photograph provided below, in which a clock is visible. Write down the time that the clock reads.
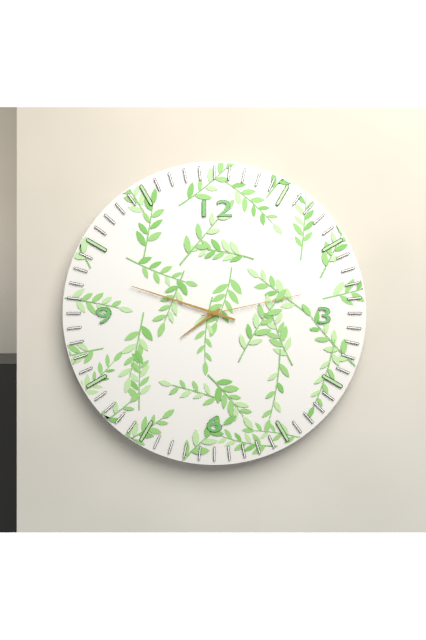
7:48:13
